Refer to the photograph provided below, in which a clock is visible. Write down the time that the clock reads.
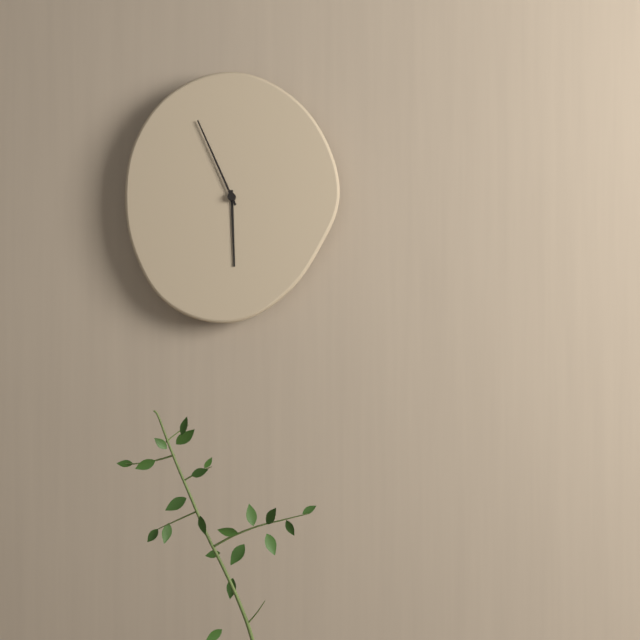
5:56
